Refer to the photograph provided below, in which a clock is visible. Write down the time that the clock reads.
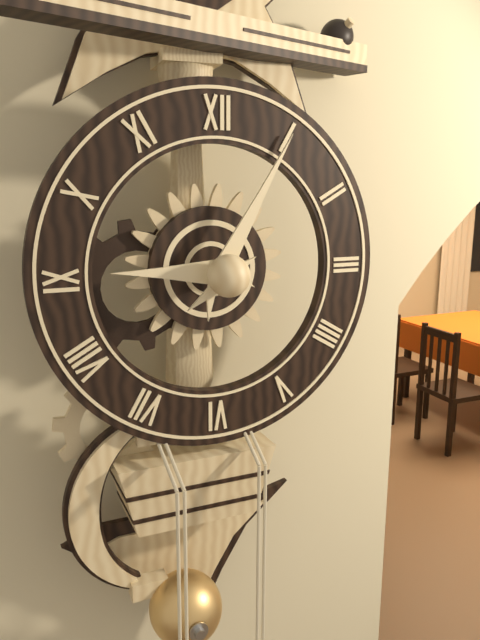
9:05
